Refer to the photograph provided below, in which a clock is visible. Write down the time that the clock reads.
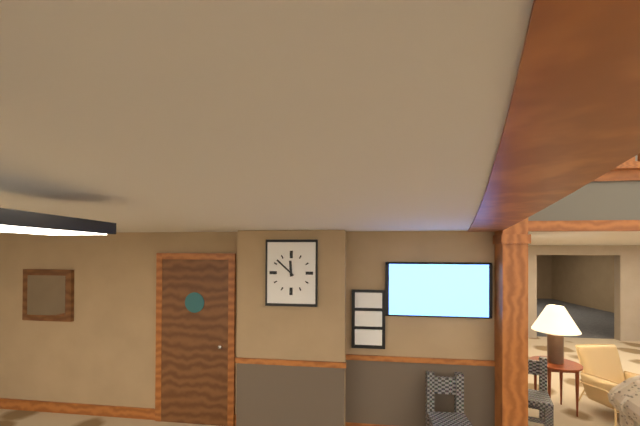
11:52
